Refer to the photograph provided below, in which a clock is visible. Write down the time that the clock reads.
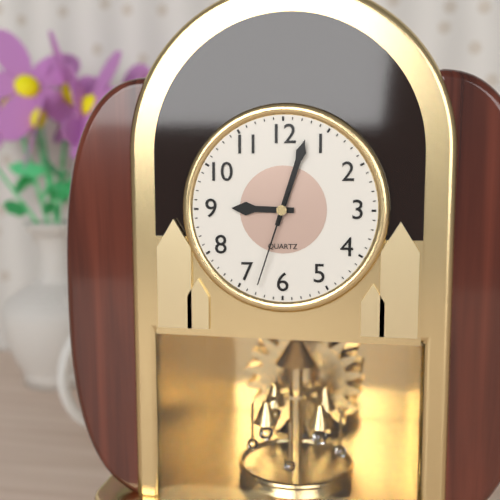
9:03:33
